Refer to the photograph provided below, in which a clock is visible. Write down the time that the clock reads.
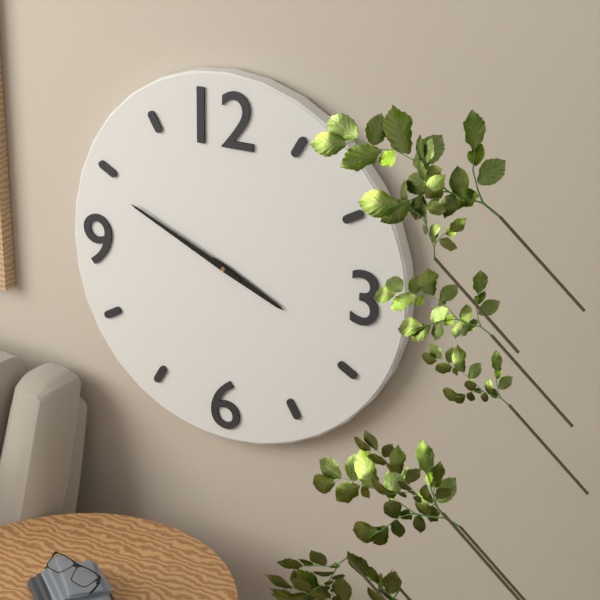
3:49
